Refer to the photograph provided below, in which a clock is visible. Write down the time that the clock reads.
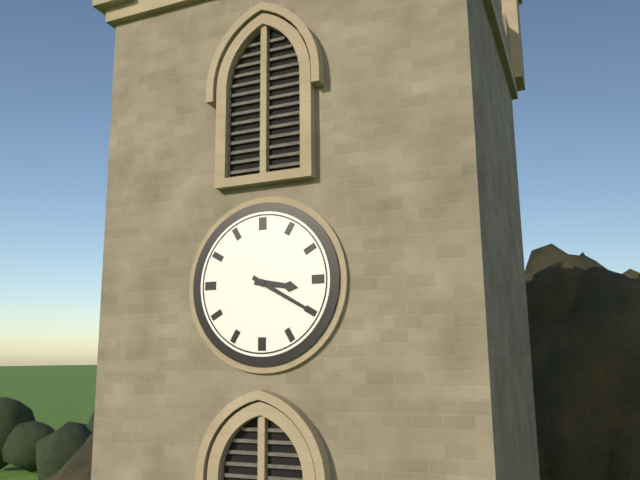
3:20
